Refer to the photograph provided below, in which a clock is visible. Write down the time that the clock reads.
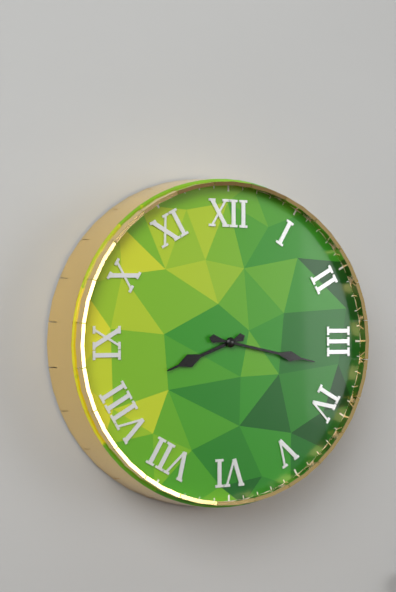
8:17
